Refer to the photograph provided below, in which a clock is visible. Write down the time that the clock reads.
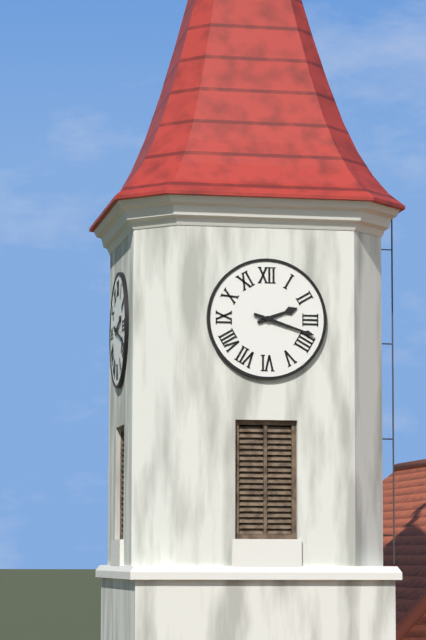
2:18
